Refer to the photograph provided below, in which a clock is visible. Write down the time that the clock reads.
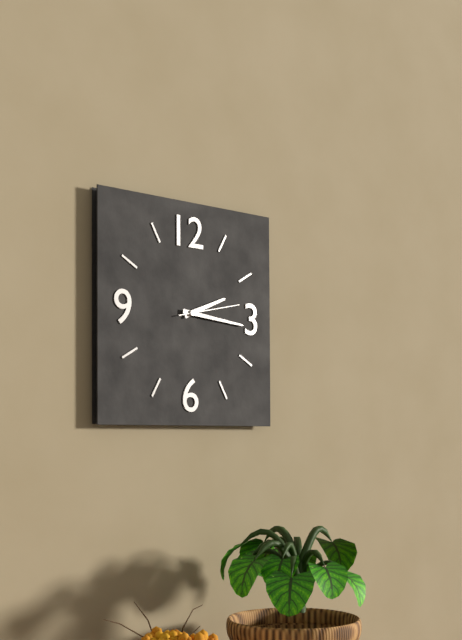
2:16:13
